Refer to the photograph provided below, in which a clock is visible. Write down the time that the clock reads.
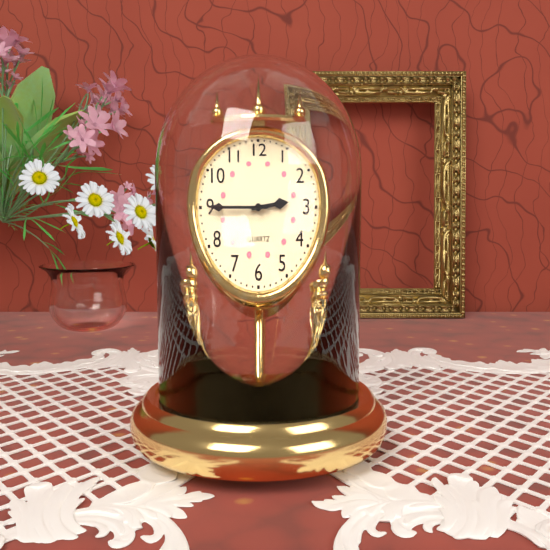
2:45
